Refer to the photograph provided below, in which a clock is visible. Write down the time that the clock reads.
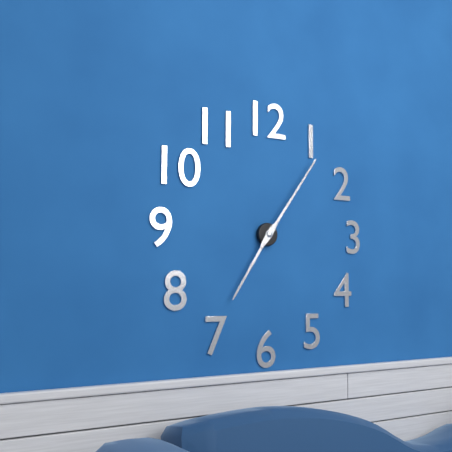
7:06
